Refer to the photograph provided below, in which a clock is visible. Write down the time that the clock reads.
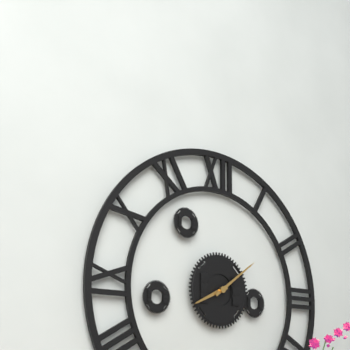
8:09
